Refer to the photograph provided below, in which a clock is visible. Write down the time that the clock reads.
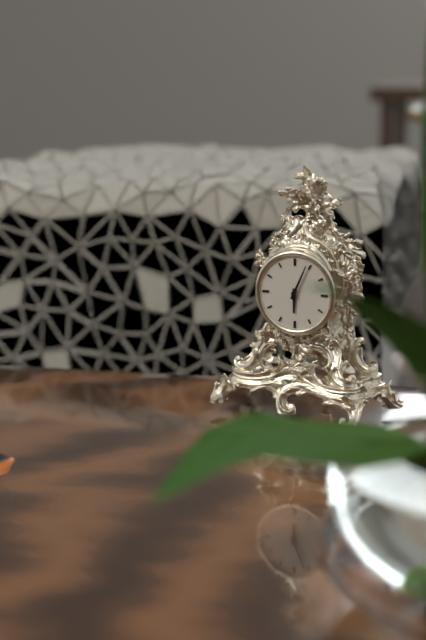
6:04
